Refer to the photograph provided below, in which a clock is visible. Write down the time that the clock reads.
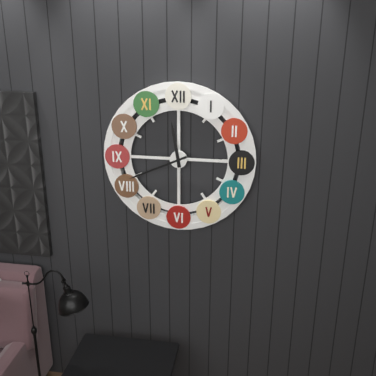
11:41
